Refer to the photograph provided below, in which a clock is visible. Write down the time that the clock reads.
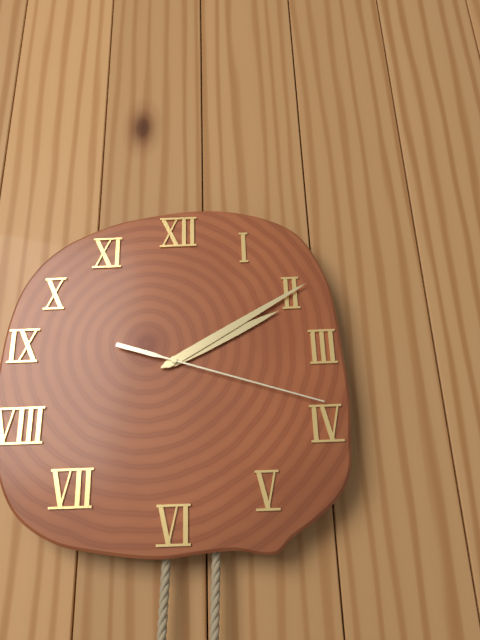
2:10:18
